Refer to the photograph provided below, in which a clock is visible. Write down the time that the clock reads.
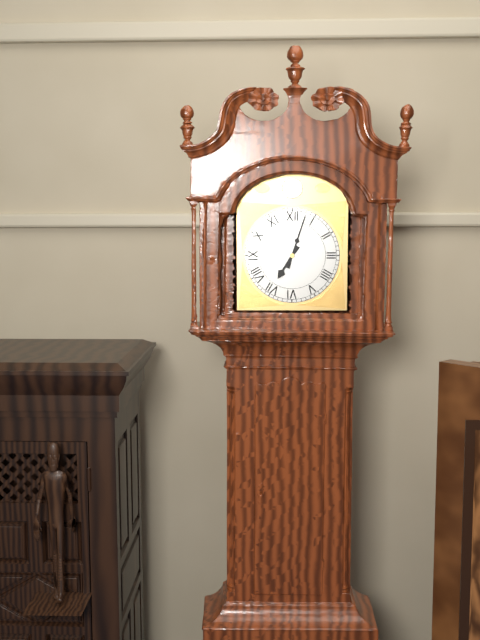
7:03
